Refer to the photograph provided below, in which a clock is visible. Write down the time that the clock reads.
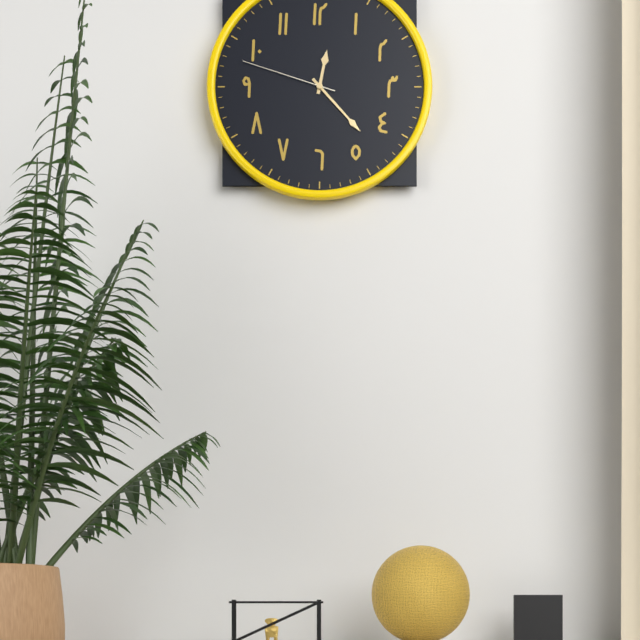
12:23:48
